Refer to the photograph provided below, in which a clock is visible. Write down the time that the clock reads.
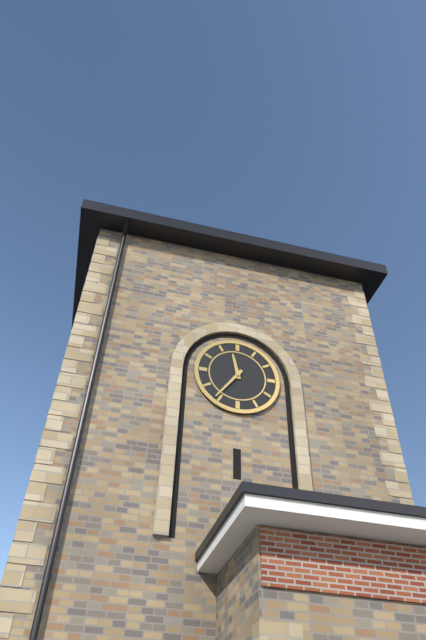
11:36
